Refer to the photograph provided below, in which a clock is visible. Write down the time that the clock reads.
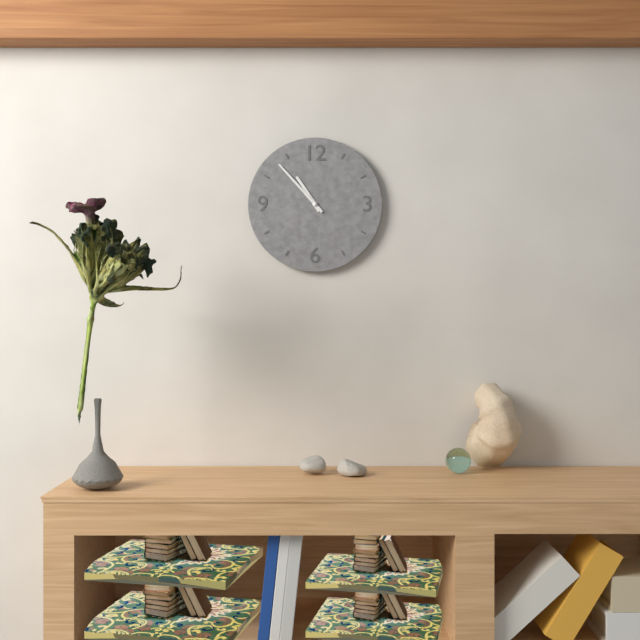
10:53
